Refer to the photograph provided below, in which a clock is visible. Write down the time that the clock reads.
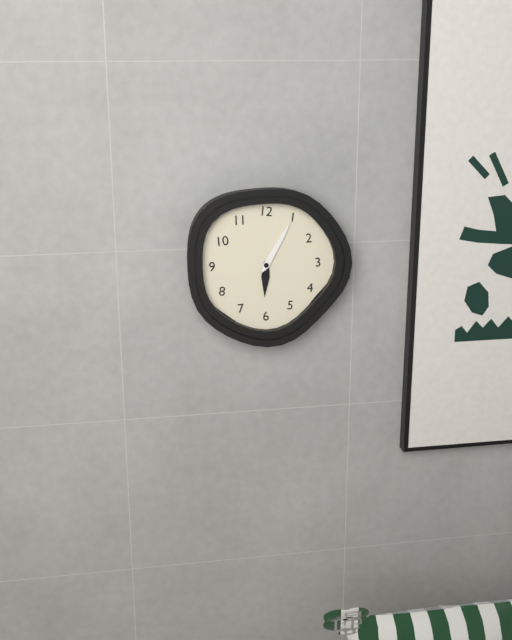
6:05
